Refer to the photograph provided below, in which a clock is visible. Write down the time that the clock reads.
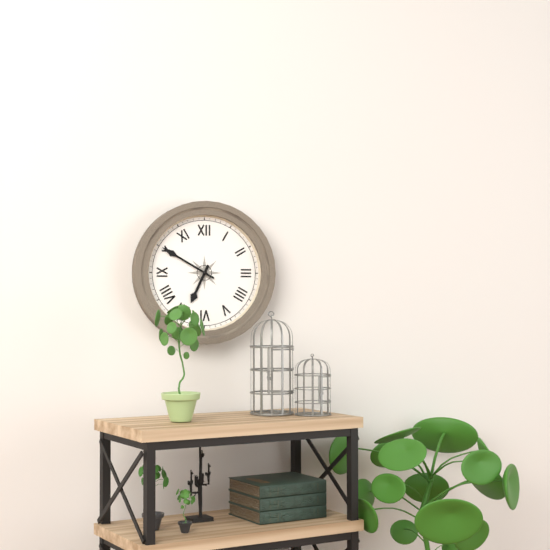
6:50
